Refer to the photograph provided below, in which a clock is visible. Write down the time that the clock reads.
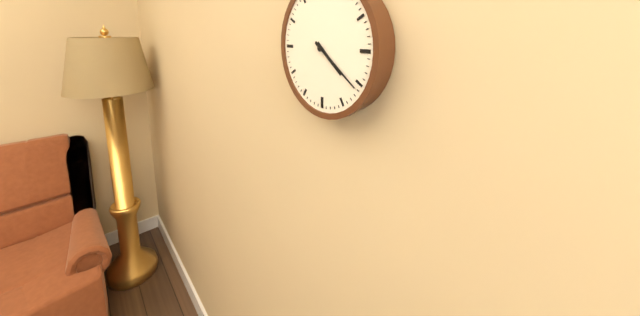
4:21
